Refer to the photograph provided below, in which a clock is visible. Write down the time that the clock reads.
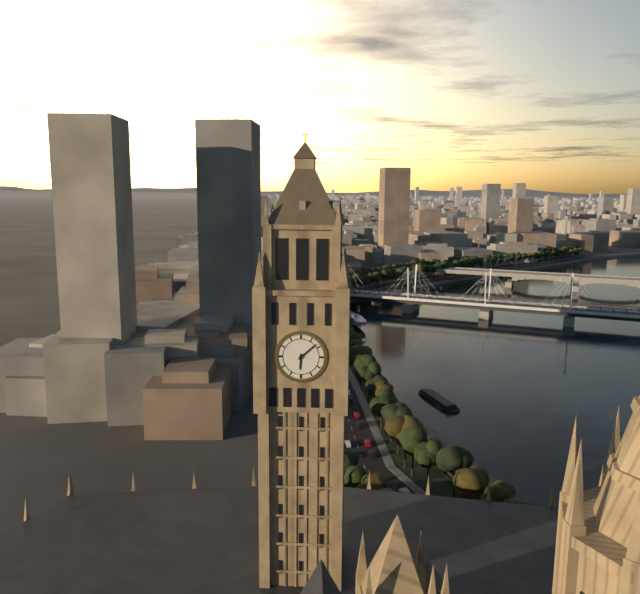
6:08
